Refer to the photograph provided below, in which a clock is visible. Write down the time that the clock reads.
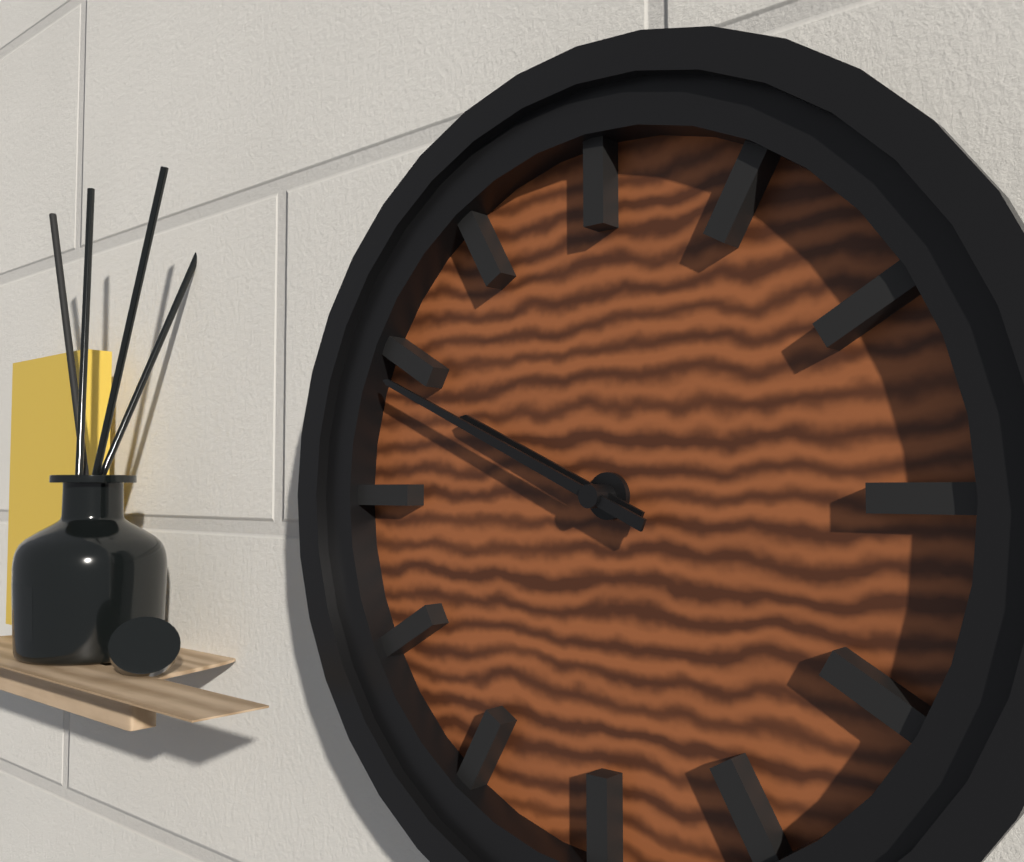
9:49
